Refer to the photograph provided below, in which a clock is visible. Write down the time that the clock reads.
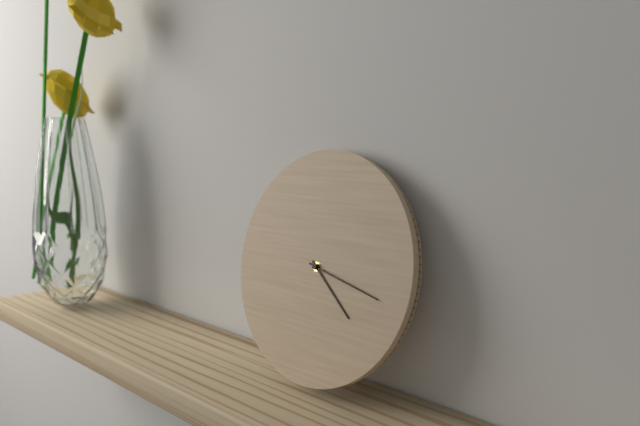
4:17
